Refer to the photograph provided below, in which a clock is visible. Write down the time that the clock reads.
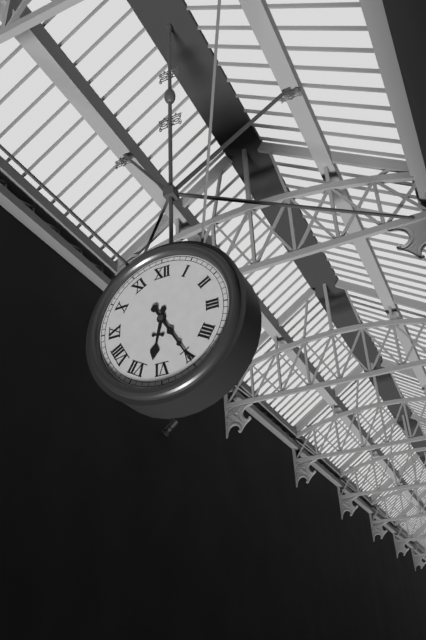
6:25
